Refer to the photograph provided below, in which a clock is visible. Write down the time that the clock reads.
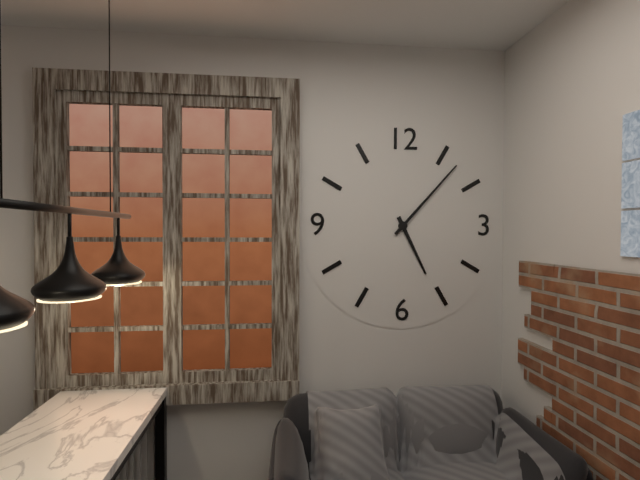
5:07
